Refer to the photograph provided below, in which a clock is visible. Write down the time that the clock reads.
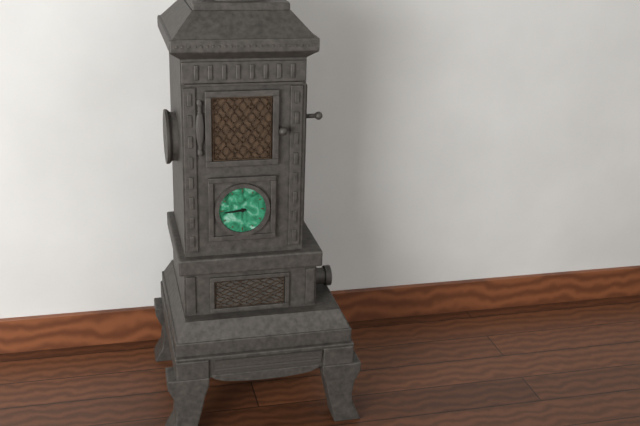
8:44
